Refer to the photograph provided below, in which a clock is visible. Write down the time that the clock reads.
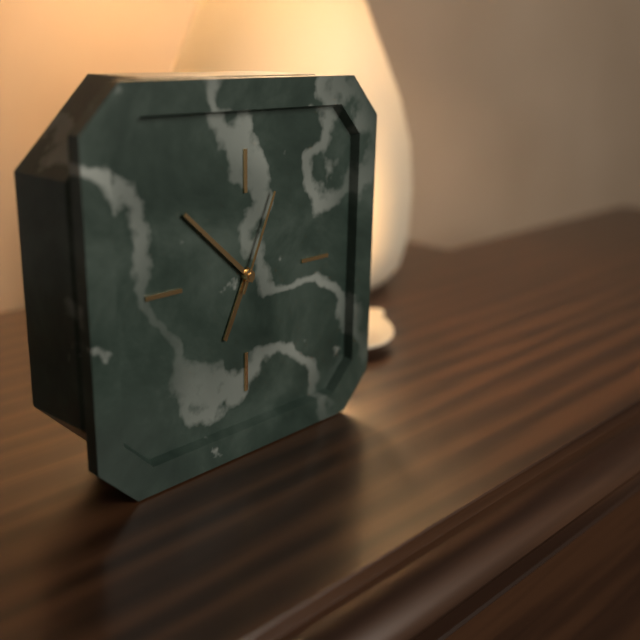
6:52:04
